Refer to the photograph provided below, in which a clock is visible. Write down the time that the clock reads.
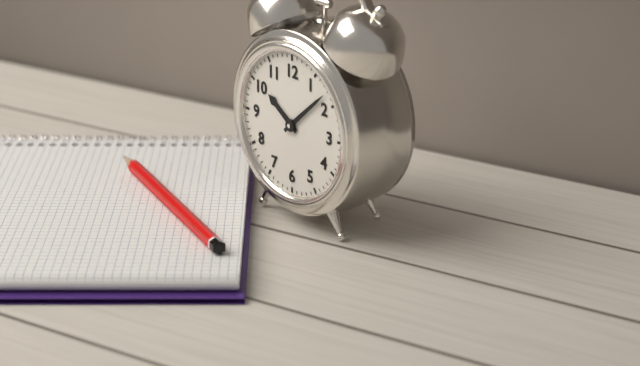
10:08
